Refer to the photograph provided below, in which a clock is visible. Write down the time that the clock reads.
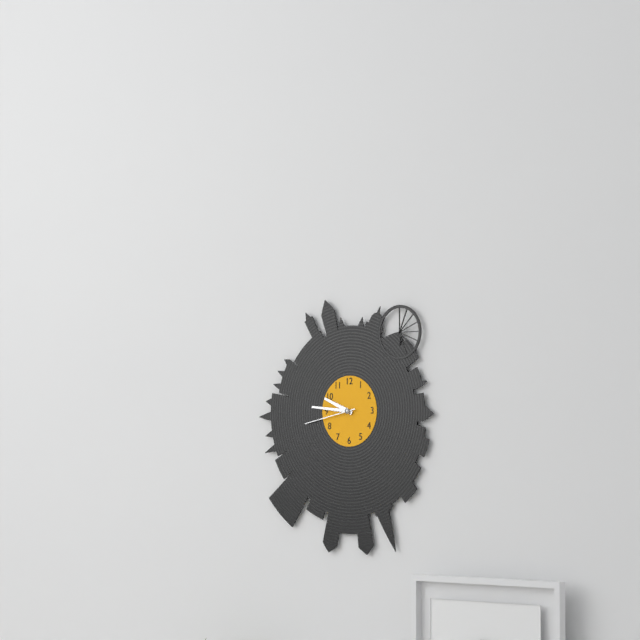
9:46:43
